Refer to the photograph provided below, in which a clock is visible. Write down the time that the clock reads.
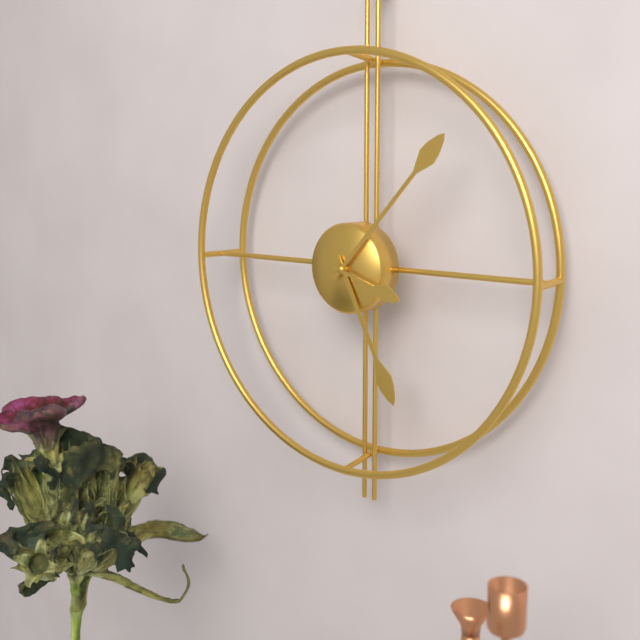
5:07:18
